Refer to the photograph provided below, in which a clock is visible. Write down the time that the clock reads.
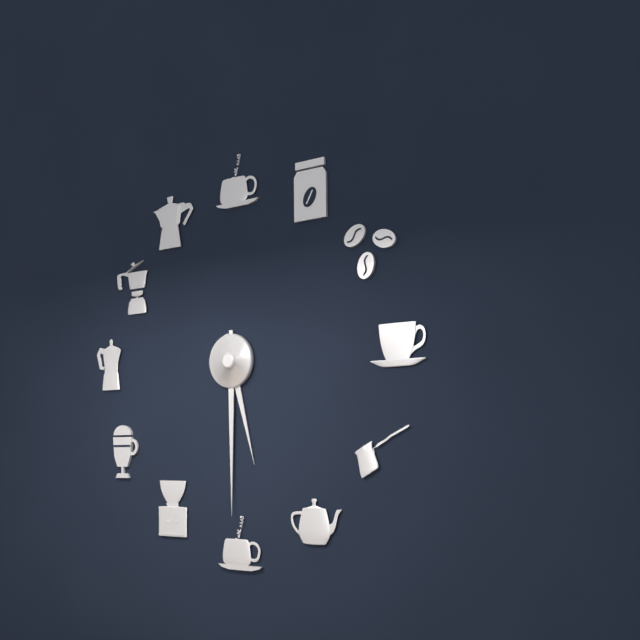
5:30
